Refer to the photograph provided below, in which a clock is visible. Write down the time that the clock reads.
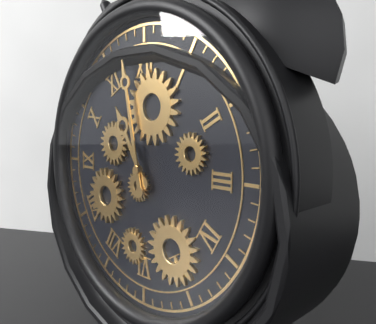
10:58
